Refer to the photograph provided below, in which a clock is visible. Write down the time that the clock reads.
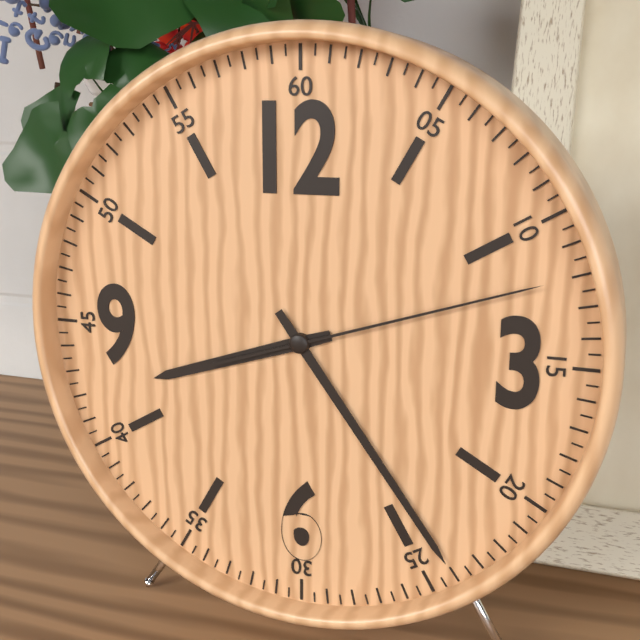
8:24:12
